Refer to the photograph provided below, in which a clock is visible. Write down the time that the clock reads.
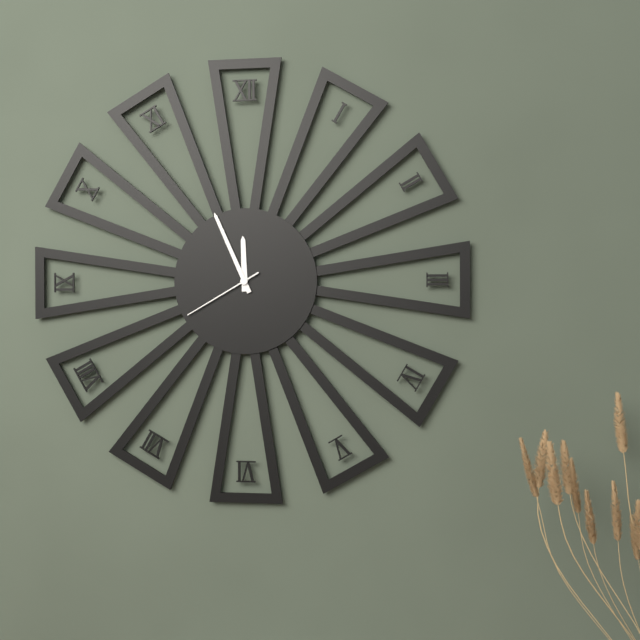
11:56:40
